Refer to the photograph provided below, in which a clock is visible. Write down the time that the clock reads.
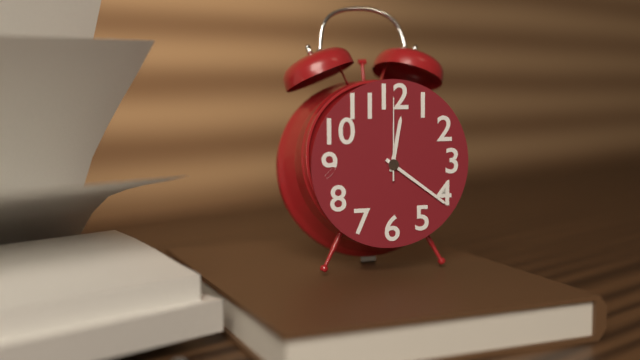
12:21:00
